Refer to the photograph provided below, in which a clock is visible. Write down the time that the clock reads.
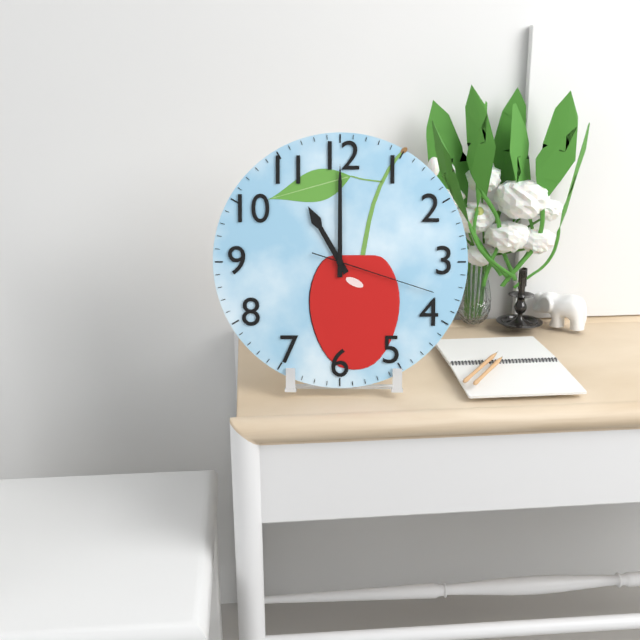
11:00:18
